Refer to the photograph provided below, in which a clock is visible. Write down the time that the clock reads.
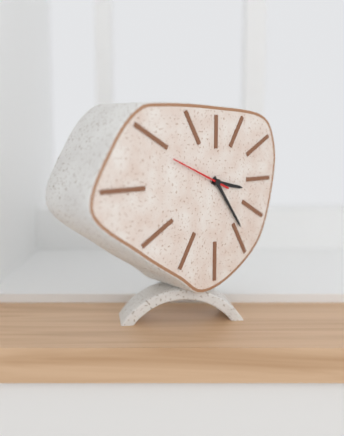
3:24:49
